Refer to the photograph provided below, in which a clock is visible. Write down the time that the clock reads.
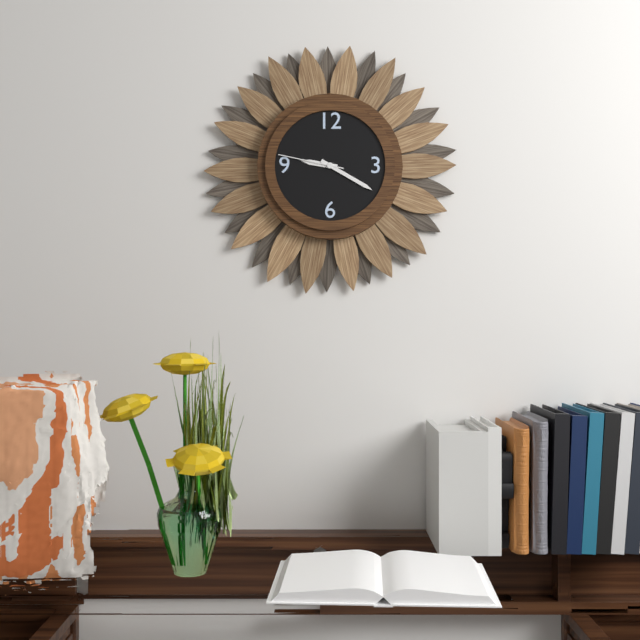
9:20:47
